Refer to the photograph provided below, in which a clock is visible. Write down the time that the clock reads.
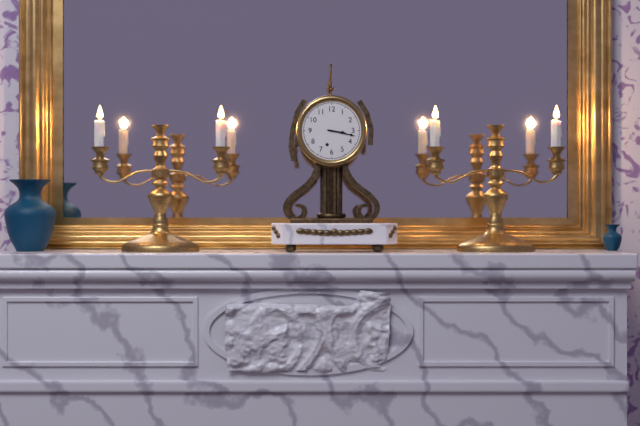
3:17
